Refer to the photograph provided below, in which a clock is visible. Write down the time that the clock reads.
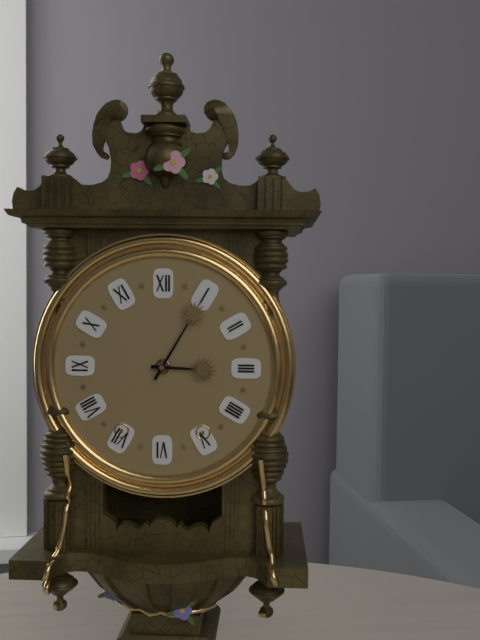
3:05
